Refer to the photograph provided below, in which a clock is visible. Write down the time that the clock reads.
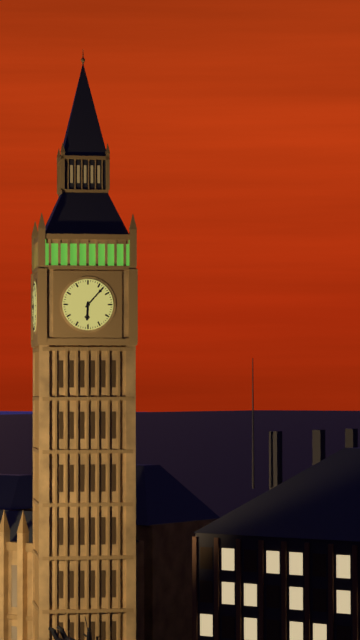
6:07
